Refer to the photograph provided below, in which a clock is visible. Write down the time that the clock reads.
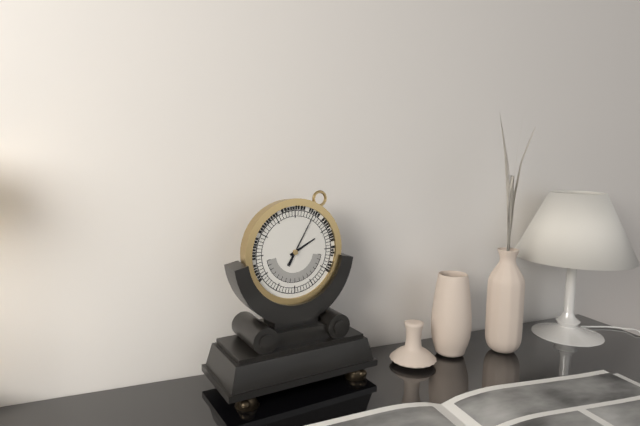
2:05
